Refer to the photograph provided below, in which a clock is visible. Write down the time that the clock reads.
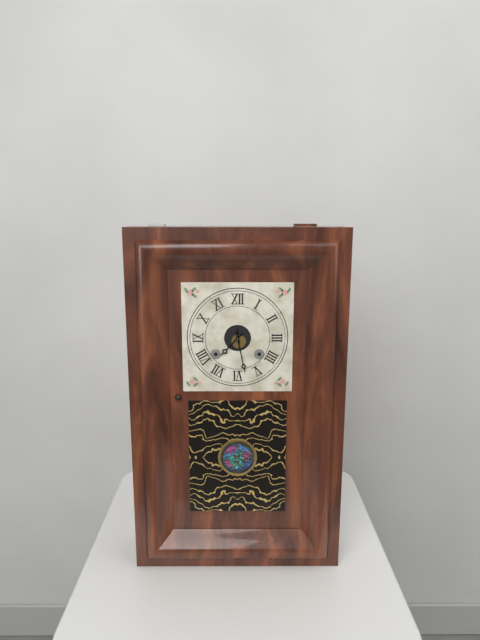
7:28
